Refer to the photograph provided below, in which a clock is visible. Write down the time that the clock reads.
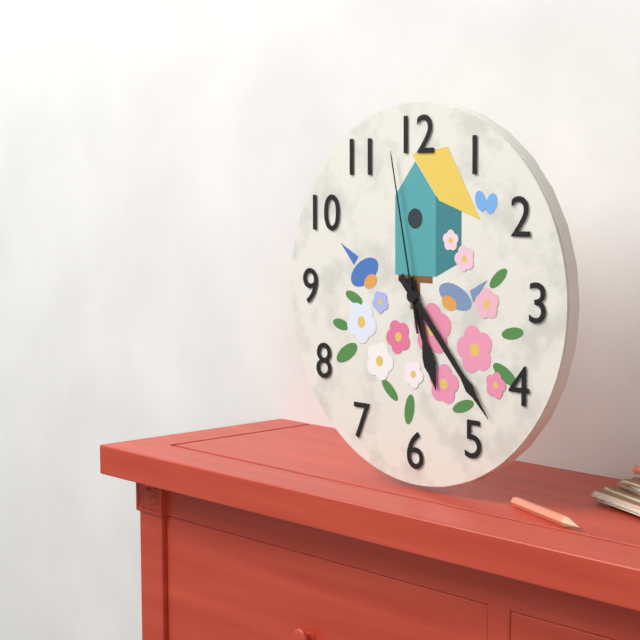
5:23:58
